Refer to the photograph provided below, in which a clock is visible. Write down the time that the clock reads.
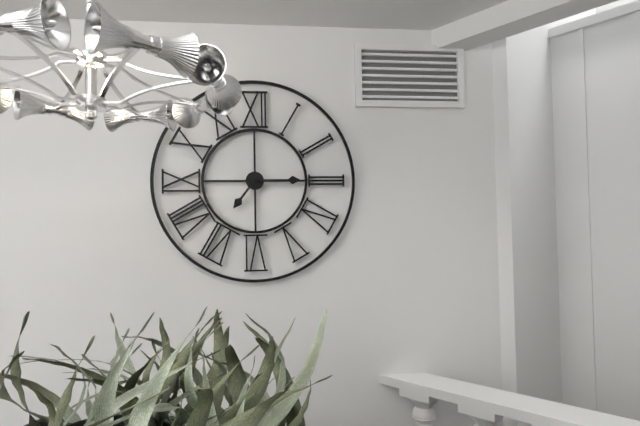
7:15
